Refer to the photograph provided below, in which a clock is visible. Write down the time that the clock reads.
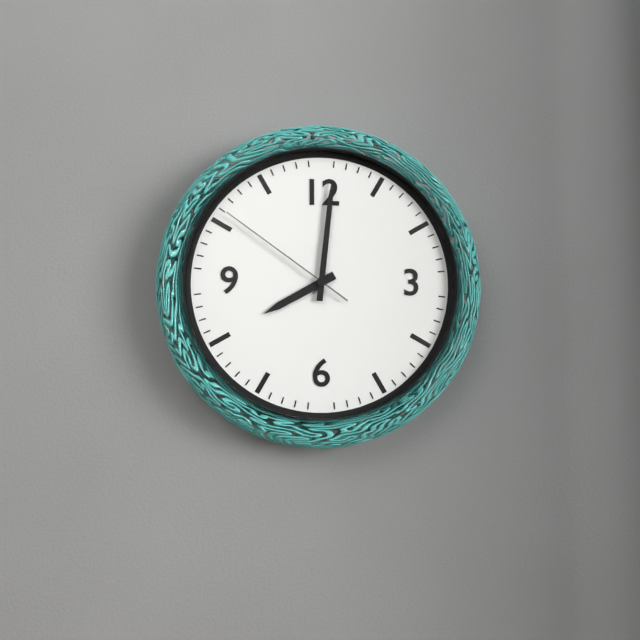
8:01:51
